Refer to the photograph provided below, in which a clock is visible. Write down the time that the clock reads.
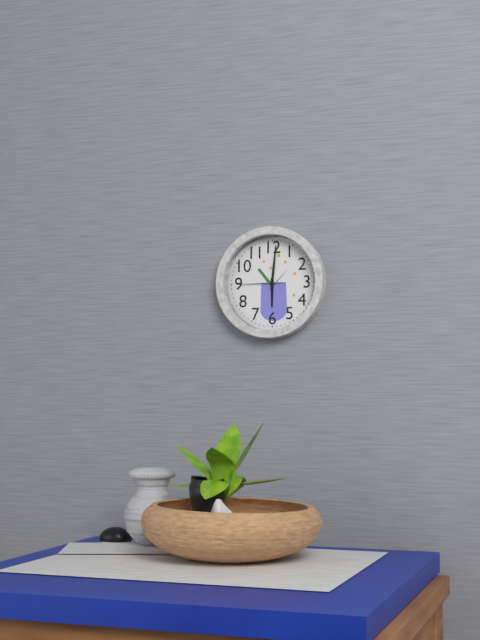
6:01
